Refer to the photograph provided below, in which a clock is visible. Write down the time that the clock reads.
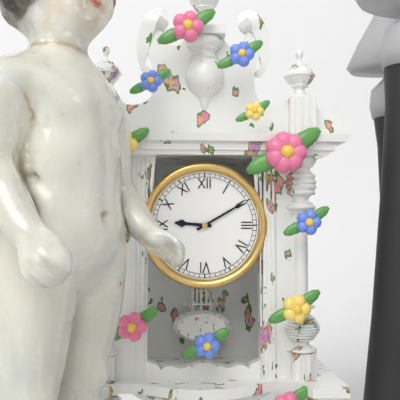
9:10
